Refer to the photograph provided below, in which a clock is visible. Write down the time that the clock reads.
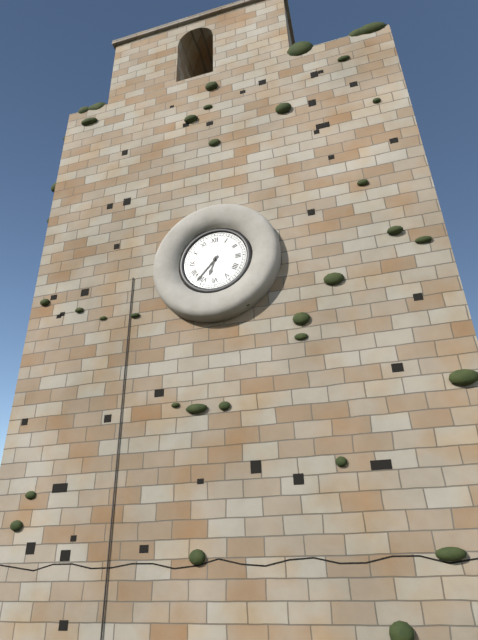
6:37
